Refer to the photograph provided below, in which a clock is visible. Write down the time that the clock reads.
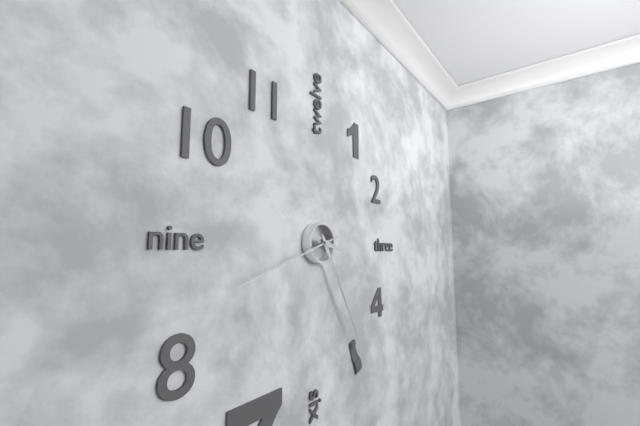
3:25:42
